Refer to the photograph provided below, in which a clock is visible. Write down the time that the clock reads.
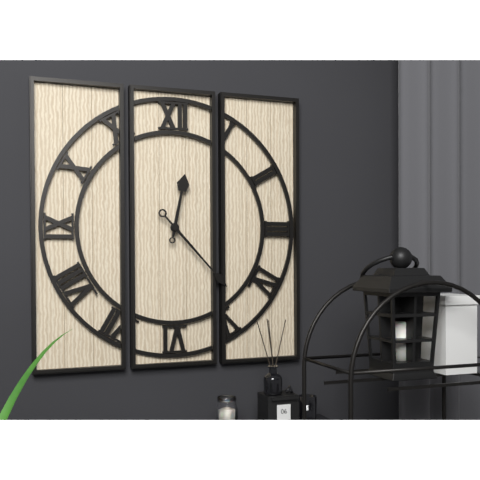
12:23
